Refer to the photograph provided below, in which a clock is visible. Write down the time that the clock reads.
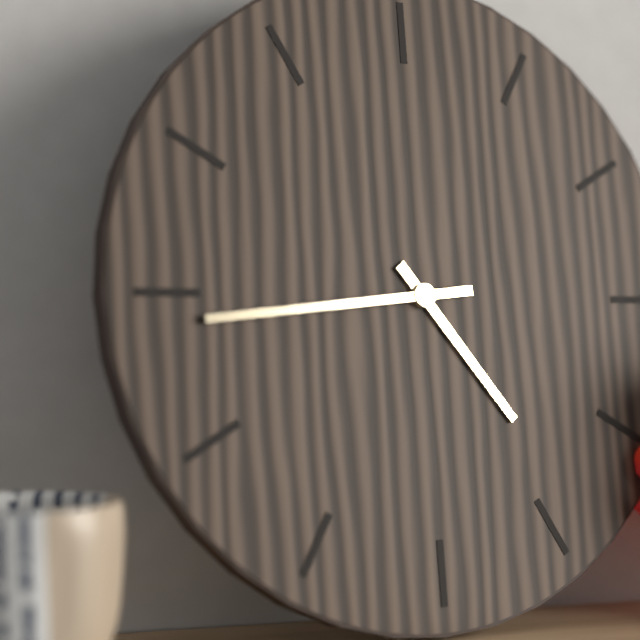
4:44
